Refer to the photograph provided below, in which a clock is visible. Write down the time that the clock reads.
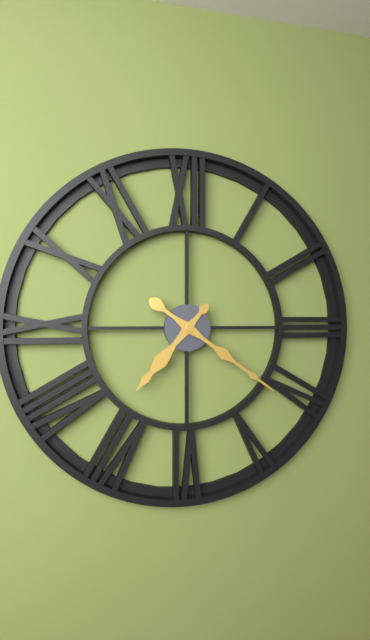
7:21
